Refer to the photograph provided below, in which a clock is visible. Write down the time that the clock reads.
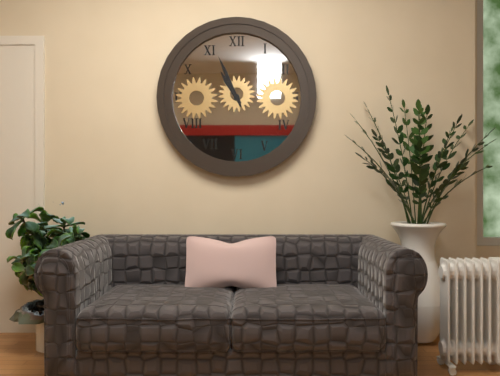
10:56
